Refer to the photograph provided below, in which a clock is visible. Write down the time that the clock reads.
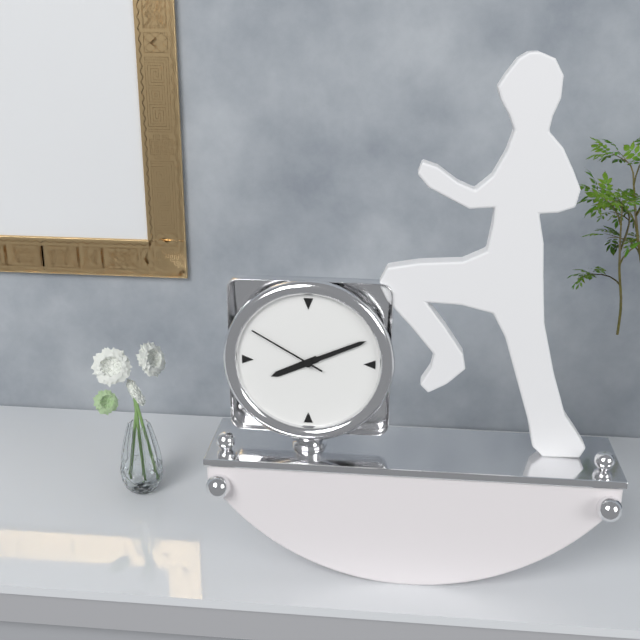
8:11:50
